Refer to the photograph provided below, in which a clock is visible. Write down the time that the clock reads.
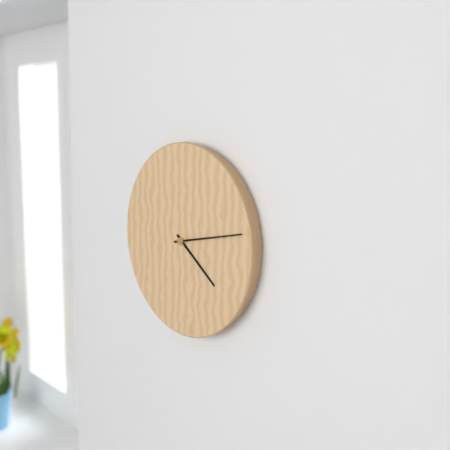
4:13
